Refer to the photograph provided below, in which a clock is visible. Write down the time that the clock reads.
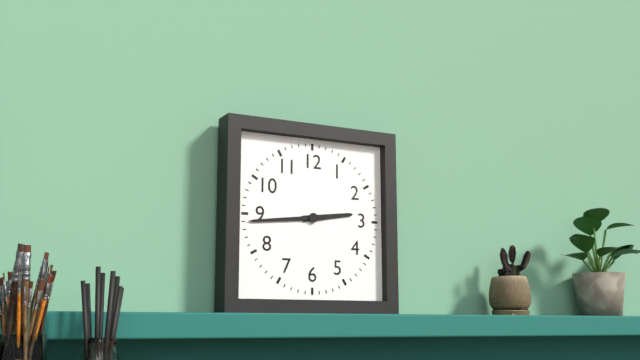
2:44
